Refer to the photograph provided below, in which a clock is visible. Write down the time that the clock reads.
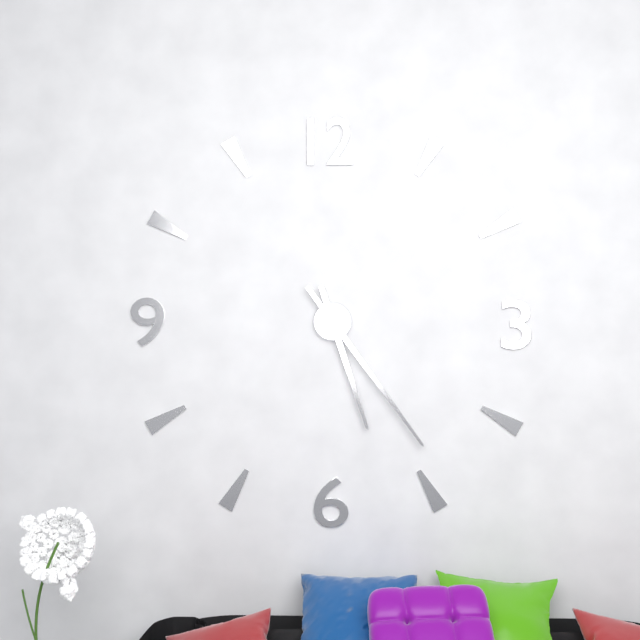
5:24
